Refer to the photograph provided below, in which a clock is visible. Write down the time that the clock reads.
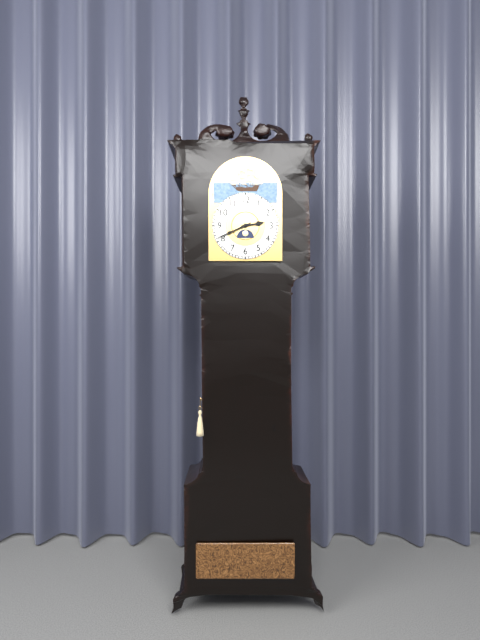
2:41
